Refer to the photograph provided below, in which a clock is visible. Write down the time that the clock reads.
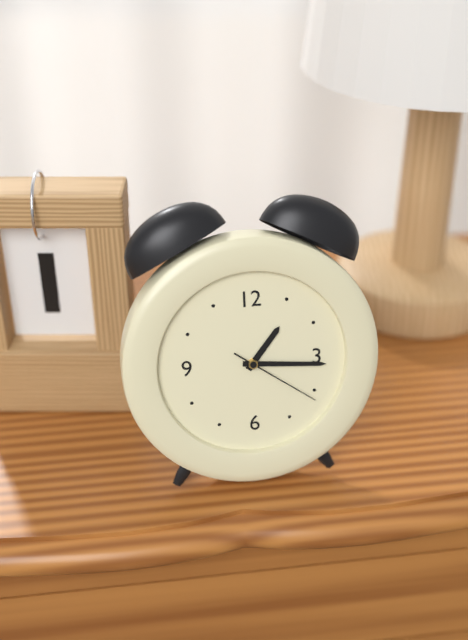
1:16:21
